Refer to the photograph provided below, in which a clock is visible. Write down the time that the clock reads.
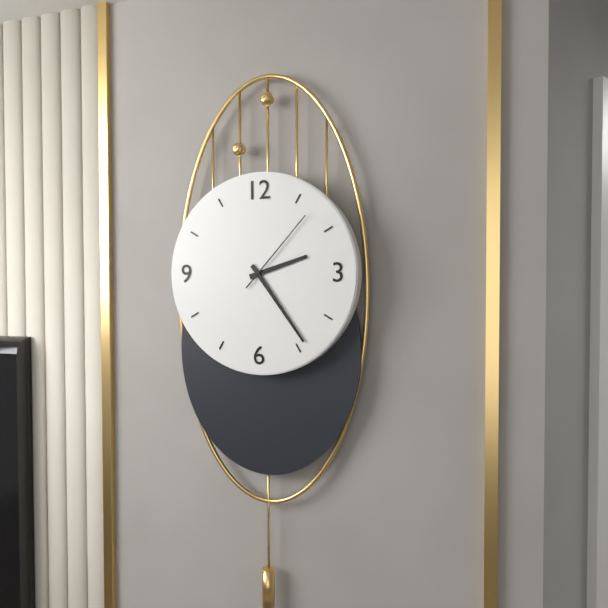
2:24:07
